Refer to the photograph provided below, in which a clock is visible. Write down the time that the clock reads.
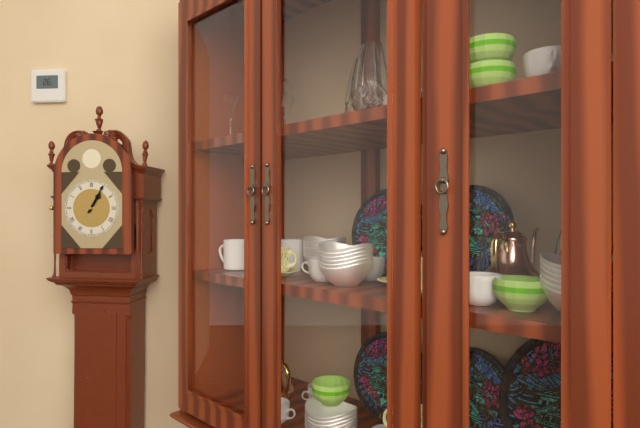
1:05
